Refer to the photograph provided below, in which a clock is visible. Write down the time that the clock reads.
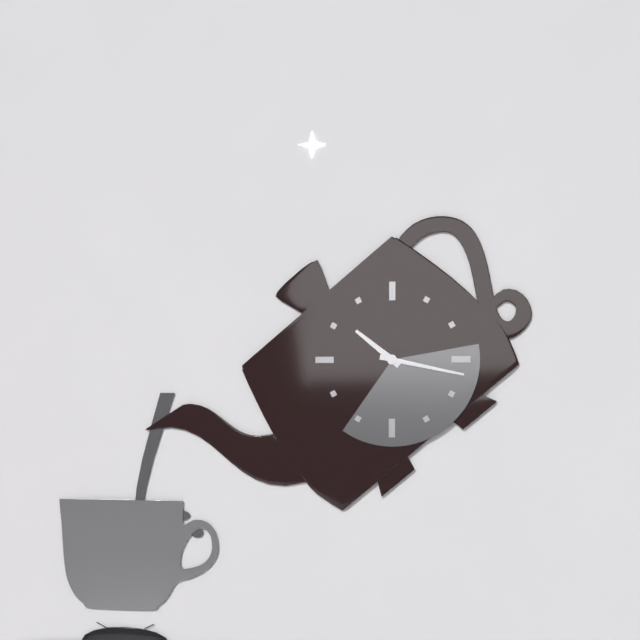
10:17
